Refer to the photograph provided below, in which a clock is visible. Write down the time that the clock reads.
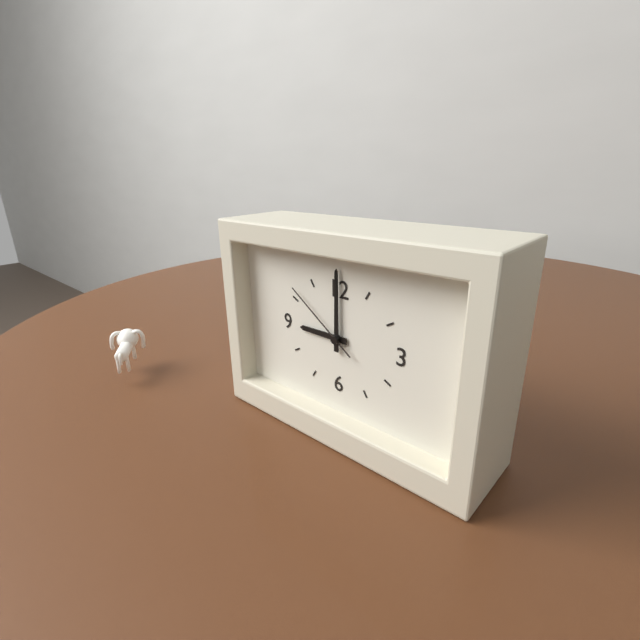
9:00:51
